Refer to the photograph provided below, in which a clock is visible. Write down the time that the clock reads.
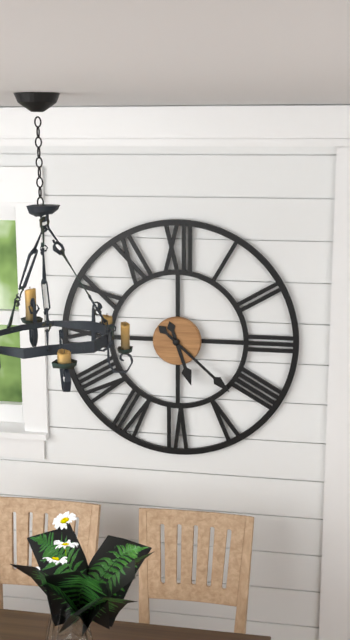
5:22
